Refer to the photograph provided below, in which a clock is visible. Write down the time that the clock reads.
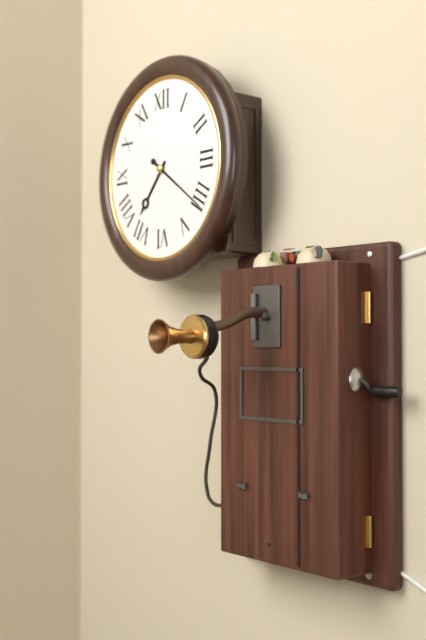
7:21
